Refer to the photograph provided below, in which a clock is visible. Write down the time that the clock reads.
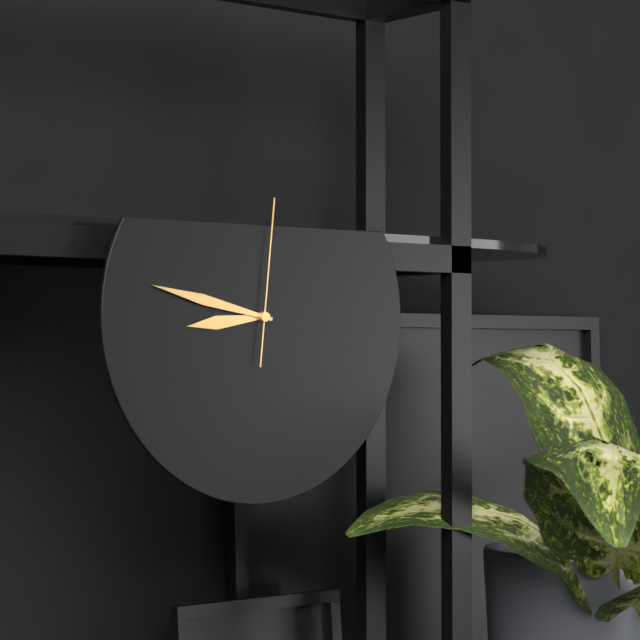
8:47:01
